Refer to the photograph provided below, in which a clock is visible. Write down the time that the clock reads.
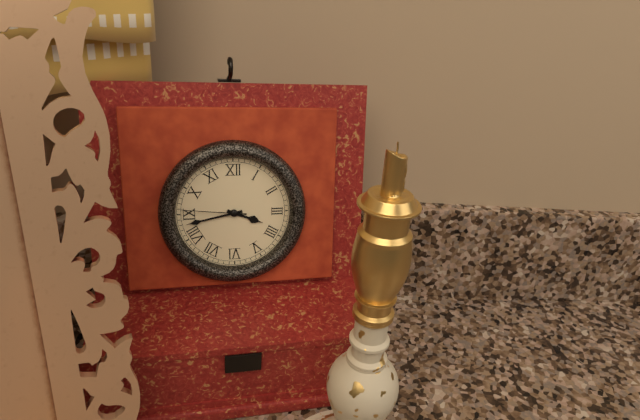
3:43:46
